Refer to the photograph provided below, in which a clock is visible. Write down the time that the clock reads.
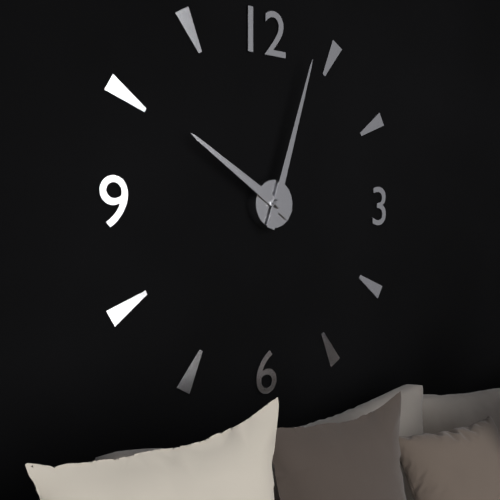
10:03
